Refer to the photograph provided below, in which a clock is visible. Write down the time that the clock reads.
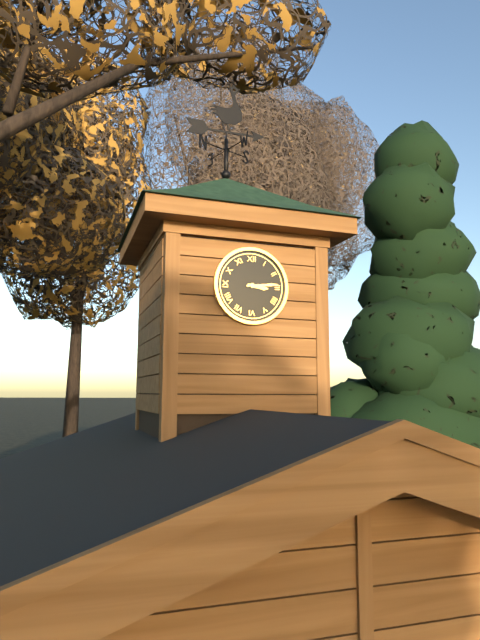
3:14
